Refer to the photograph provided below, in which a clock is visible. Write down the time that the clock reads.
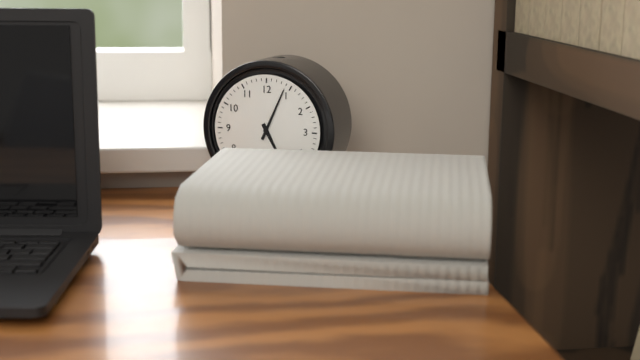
5:04
